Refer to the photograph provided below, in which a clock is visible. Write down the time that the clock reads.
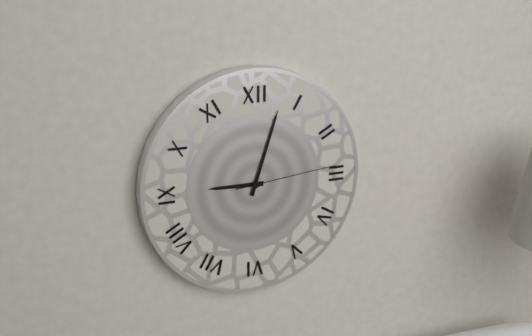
9:03:14
